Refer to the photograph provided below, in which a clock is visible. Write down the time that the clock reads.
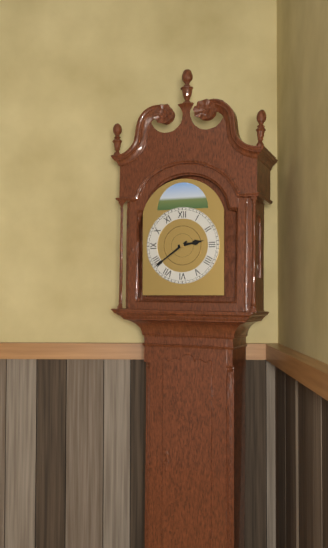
2:39
